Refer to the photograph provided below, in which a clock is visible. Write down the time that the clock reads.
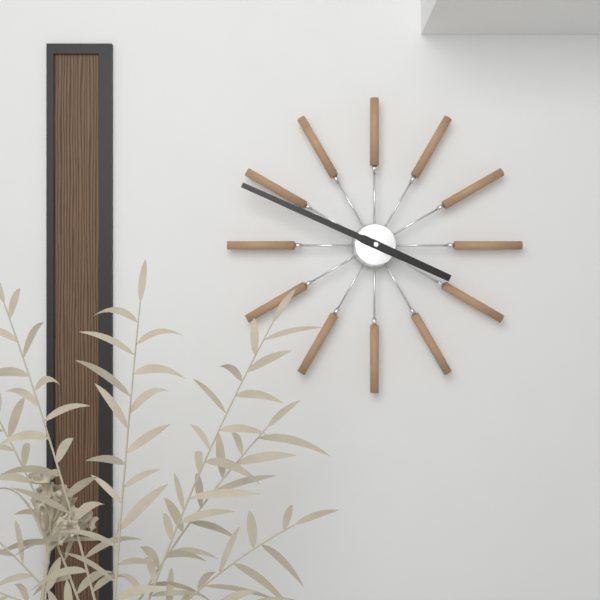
3:49
